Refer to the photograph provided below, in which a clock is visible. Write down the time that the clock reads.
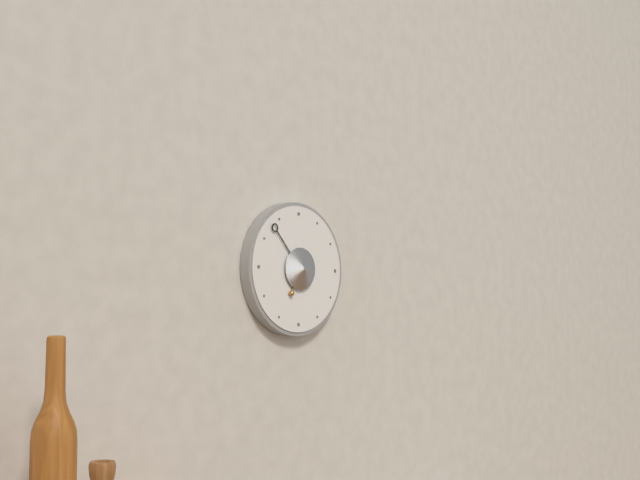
6:53
